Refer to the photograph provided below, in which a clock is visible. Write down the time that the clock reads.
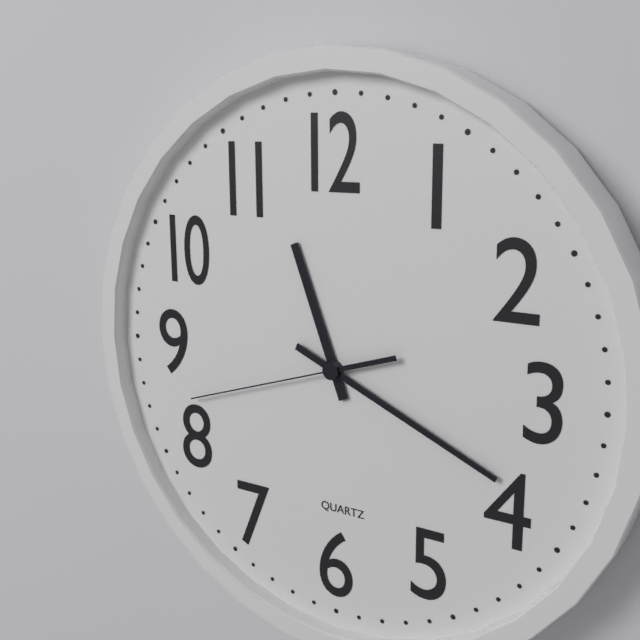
11:19:42
